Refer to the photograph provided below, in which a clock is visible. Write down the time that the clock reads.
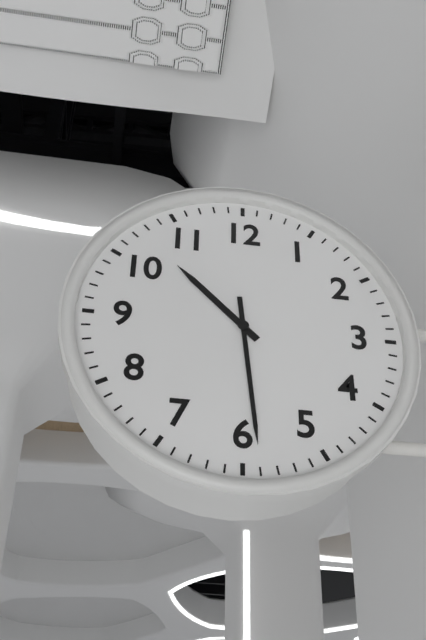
10:29
